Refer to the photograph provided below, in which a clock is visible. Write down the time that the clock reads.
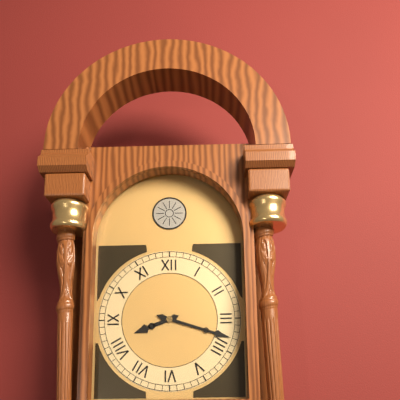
8:18
